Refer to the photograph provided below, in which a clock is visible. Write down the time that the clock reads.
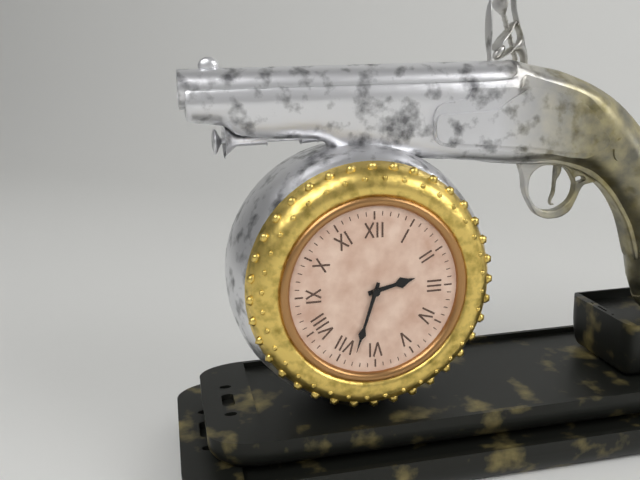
2:33
